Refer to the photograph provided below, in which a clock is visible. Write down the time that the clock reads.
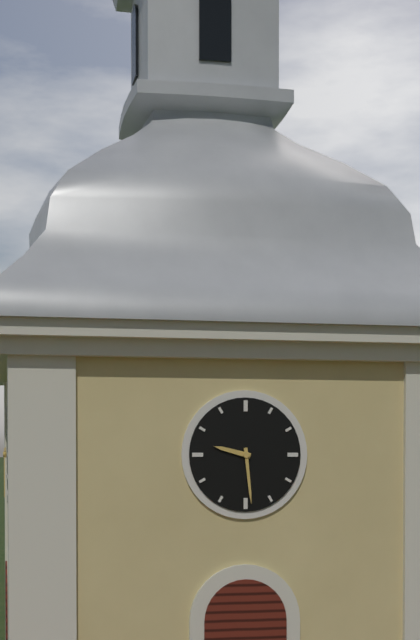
9:29
